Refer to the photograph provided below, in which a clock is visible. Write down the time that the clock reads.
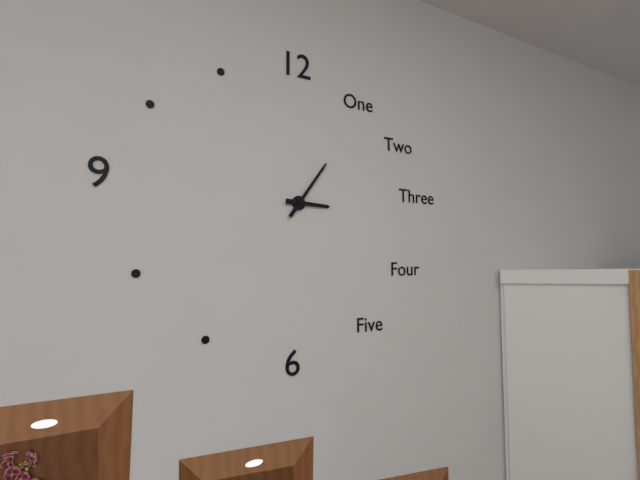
3:06
